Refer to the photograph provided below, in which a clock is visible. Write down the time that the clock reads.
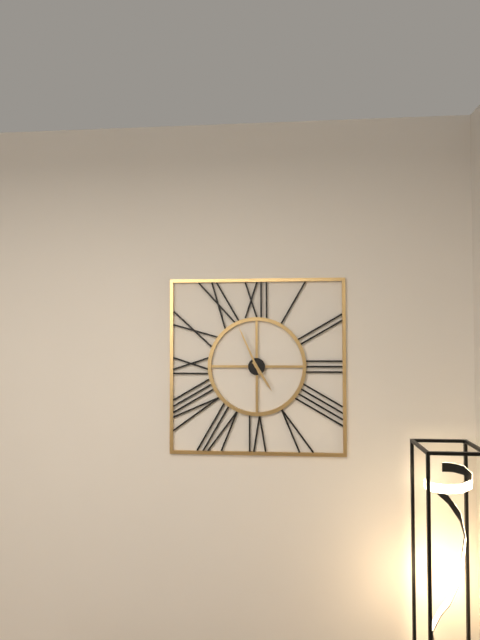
4:56
